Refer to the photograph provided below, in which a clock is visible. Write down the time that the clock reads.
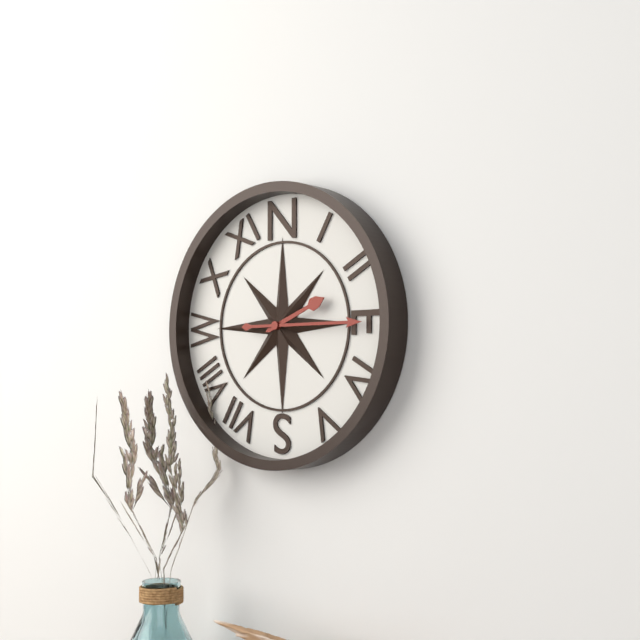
2:15
